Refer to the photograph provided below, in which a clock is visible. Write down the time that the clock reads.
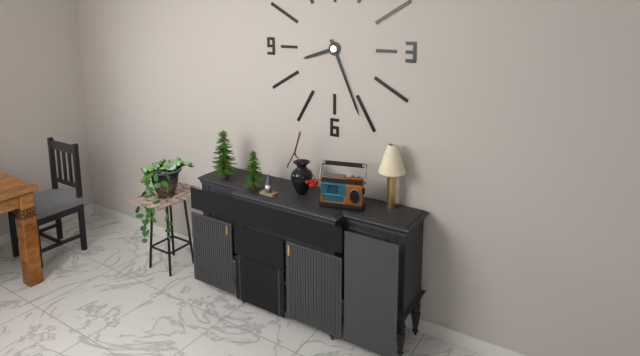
8:26
